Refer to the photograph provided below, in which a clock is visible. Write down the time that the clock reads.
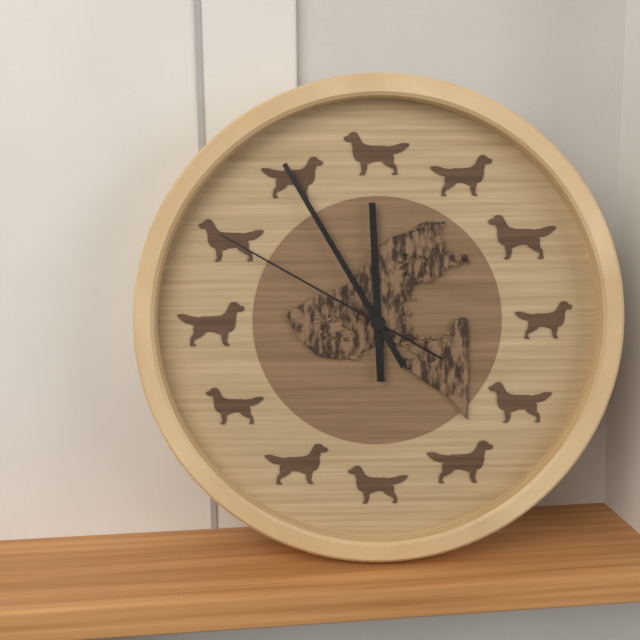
11:55:50
